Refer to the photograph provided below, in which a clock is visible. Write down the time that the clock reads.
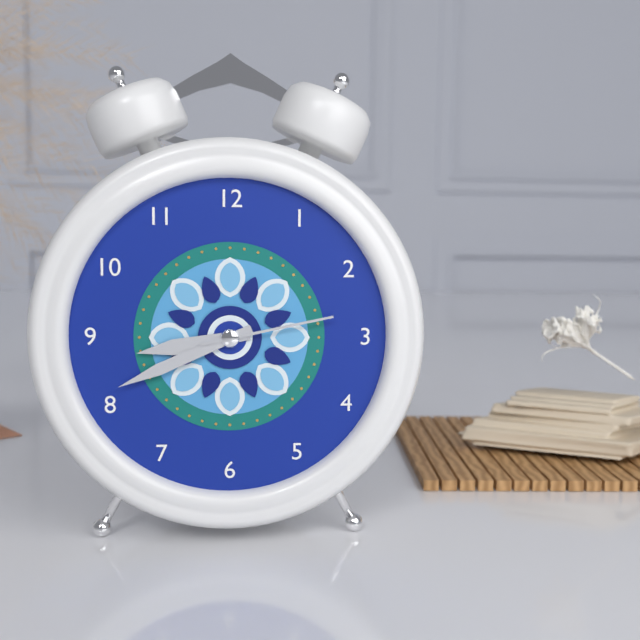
8:41:13
